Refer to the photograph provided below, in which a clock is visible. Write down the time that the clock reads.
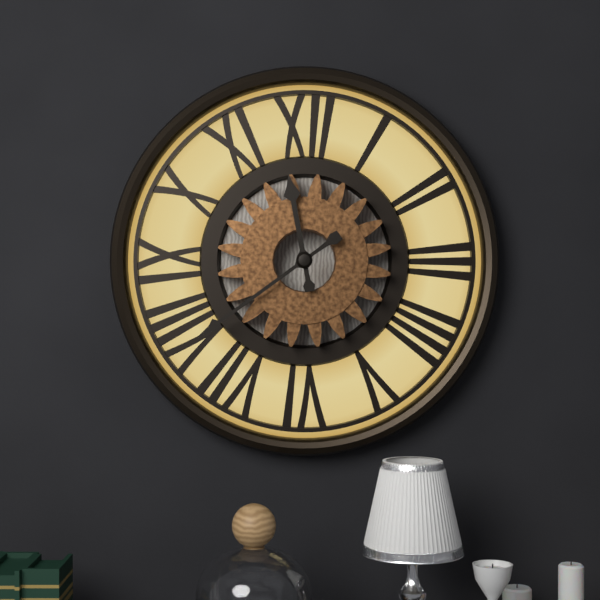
11:39
